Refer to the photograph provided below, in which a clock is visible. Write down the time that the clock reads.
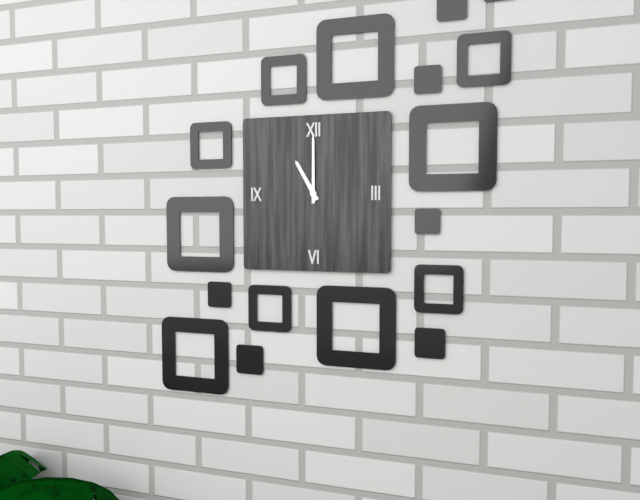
11:00
